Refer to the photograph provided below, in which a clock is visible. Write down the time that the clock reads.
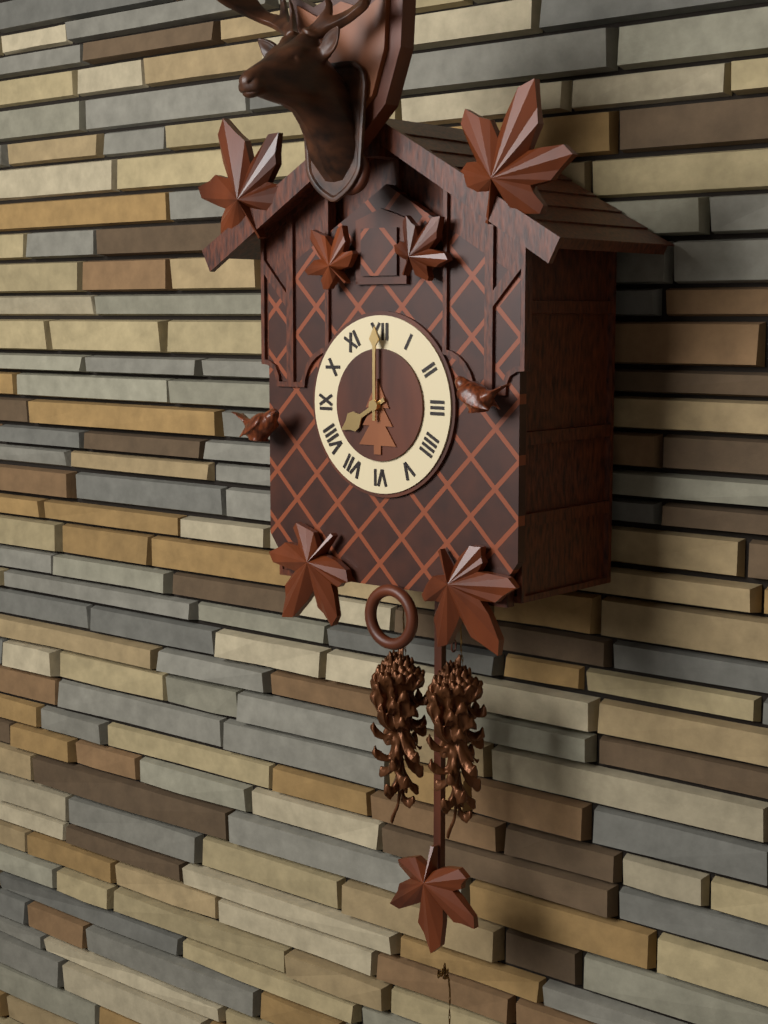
8:00
